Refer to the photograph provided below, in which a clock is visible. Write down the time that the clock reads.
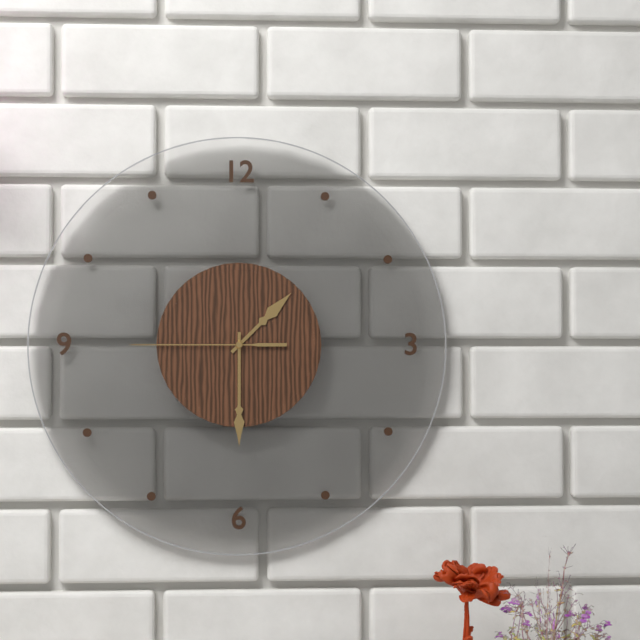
1:30:45
